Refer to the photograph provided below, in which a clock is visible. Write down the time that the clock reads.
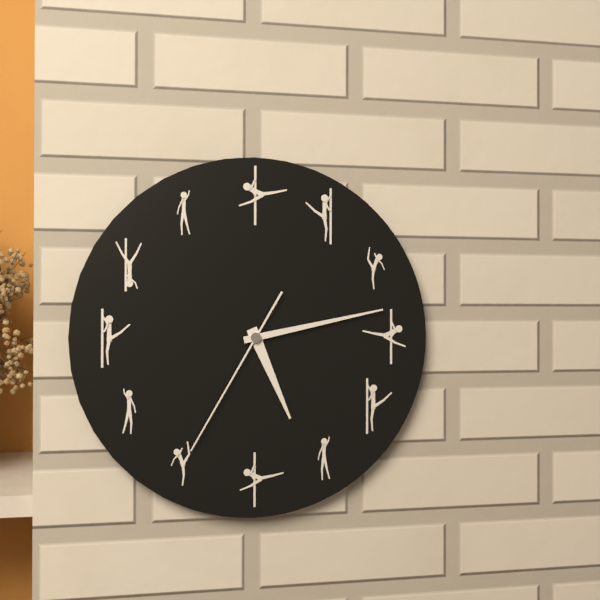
5:13:35
